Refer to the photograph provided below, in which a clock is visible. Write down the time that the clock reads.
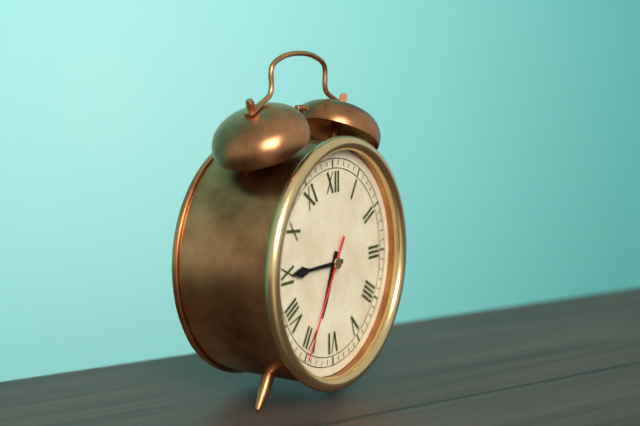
6:45:35
